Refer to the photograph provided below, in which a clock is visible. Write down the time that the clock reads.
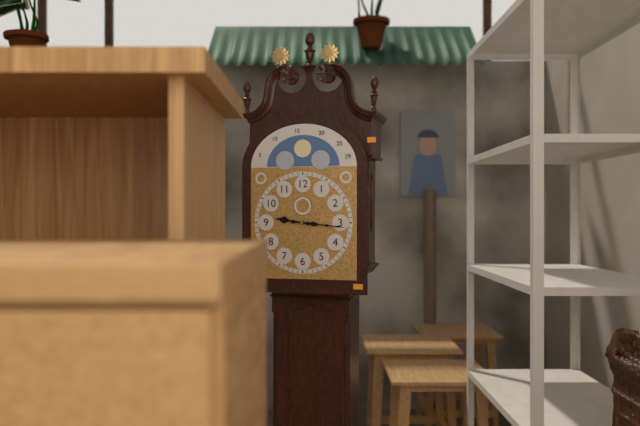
9:16
